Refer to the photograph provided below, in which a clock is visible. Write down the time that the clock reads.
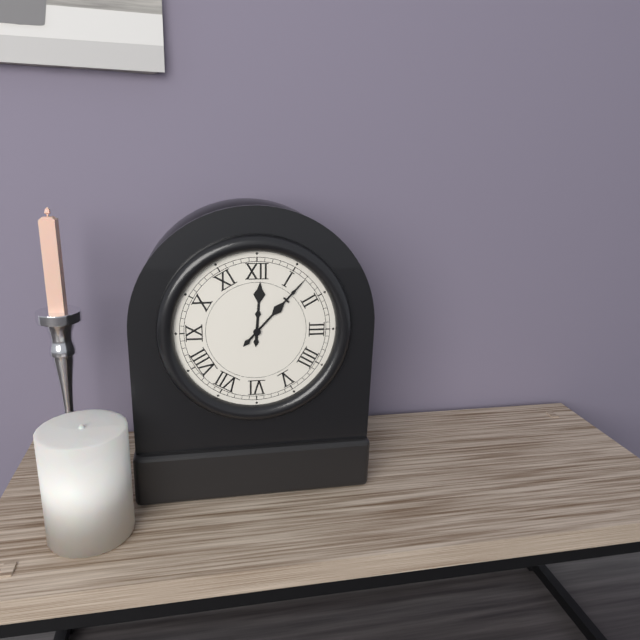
12:07
